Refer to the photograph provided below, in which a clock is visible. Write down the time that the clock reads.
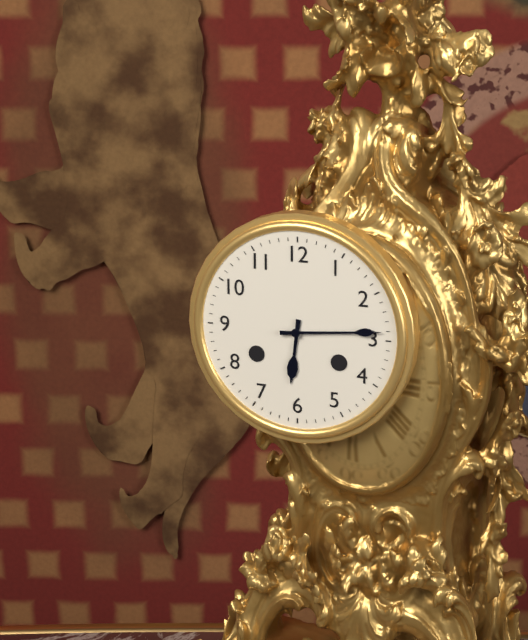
6:14
